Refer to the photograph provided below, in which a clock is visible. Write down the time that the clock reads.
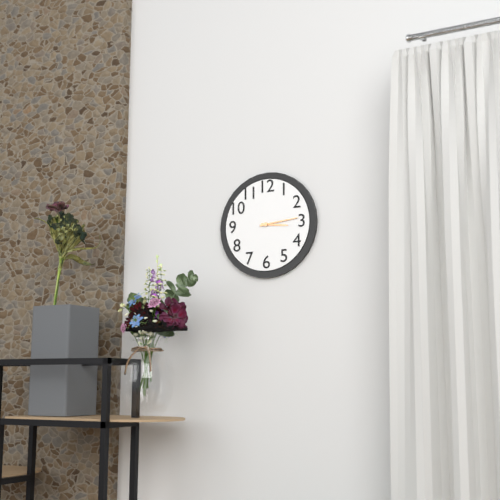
3:14
